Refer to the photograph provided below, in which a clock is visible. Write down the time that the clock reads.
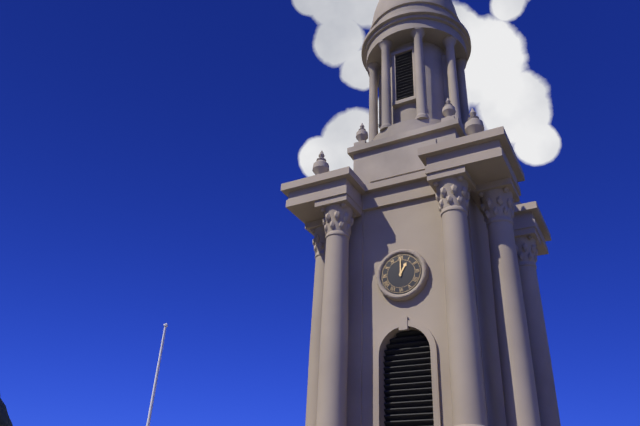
1:00
